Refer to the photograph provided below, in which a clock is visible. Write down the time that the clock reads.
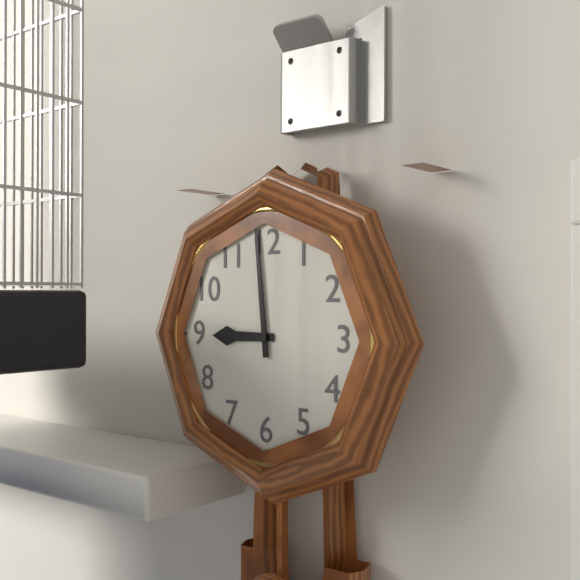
8:59
